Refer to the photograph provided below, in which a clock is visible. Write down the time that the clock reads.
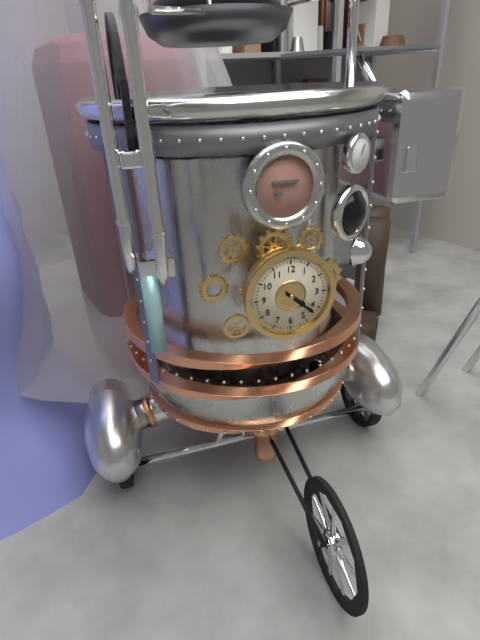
4:22
